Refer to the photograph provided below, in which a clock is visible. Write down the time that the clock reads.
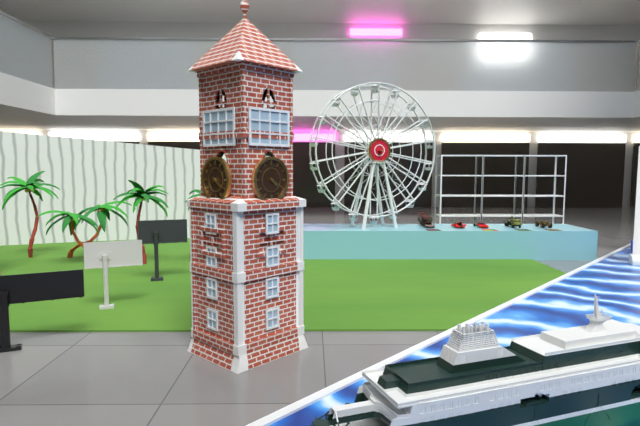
4:20
